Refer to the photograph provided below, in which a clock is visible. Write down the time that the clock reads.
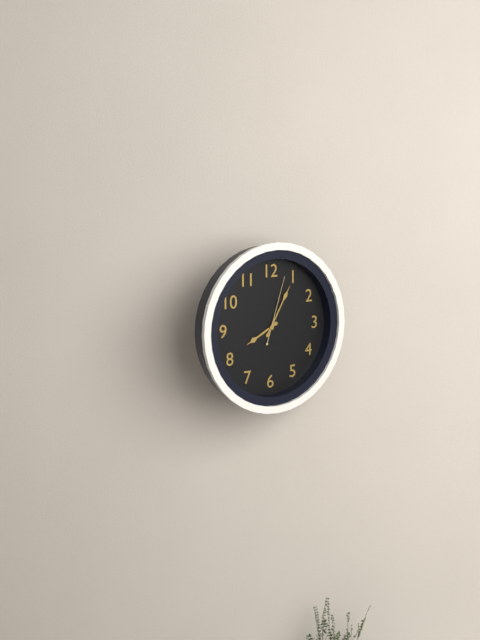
8:05:03
